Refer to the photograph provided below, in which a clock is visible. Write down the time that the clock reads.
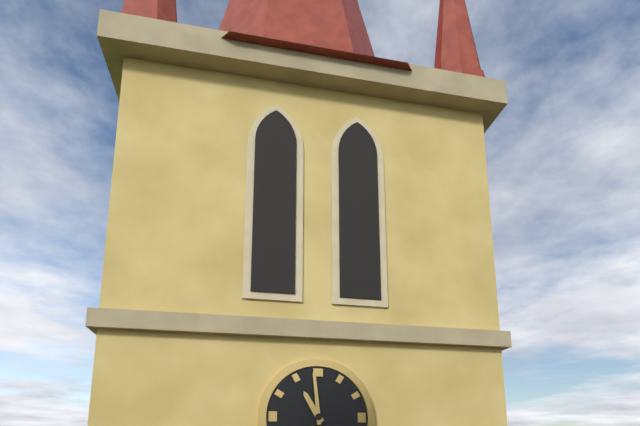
10:59
